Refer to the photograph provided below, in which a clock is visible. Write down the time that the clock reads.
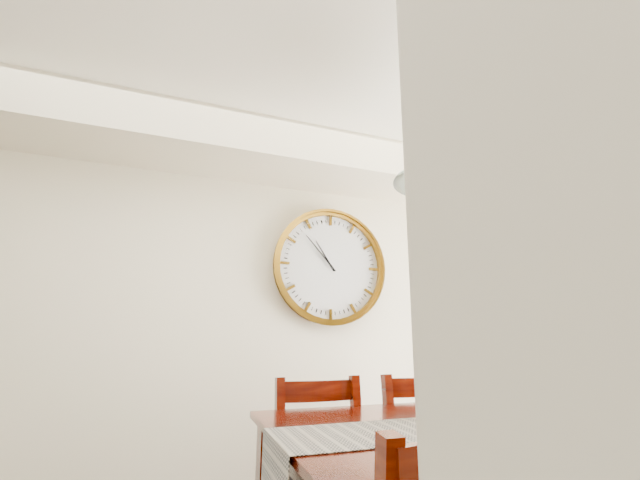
10:53
